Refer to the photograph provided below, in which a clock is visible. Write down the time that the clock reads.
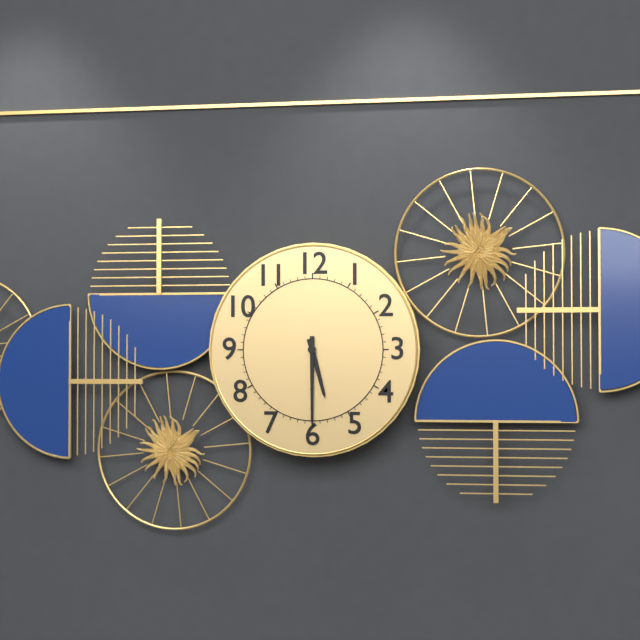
5:30
